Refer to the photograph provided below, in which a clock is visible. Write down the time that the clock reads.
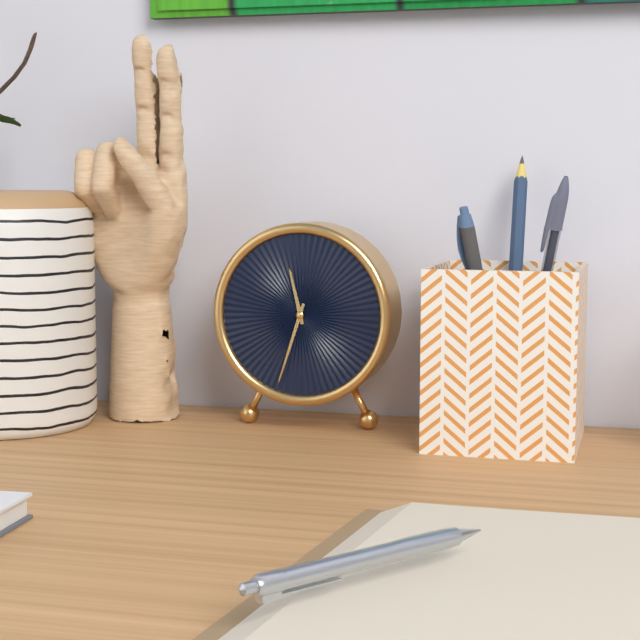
11:33
